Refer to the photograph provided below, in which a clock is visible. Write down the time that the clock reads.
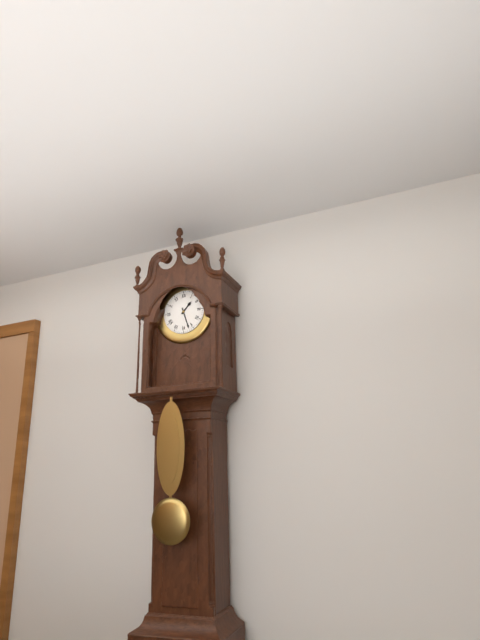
1:27
